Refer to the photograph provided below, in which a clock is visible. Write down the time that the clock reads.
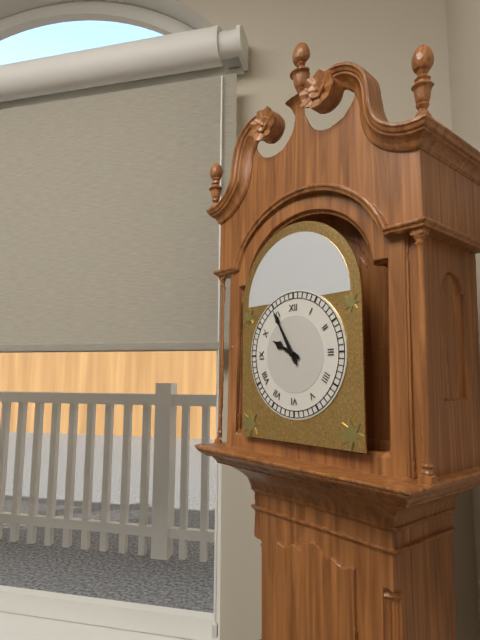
9:55
